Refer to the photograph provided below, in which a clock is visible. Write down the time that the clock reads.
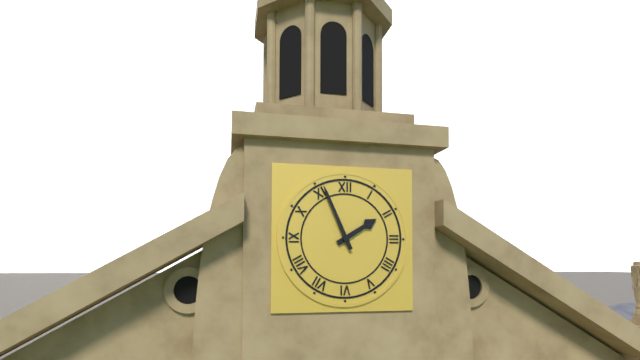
1:56
